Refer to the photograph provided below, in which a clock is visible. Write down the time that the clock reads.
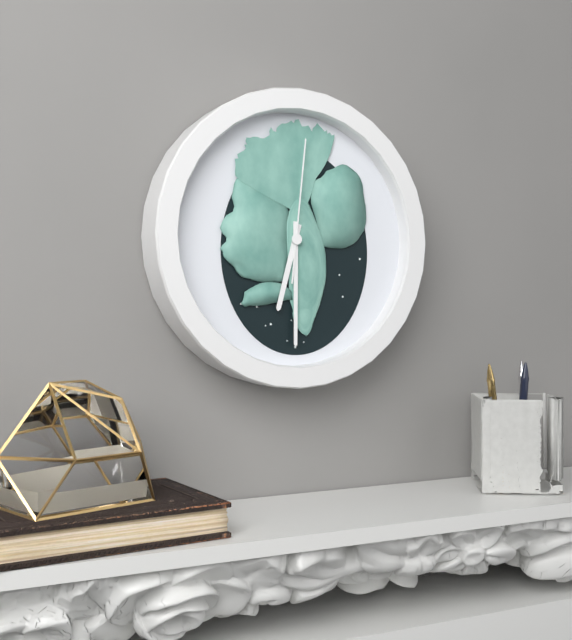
6:30:01
